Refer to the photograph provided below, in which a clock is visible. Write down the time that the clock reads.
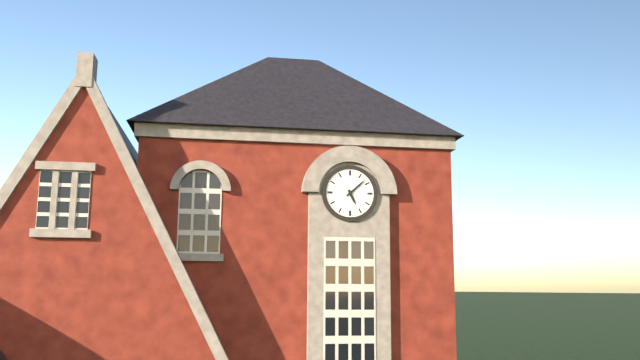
5:08
